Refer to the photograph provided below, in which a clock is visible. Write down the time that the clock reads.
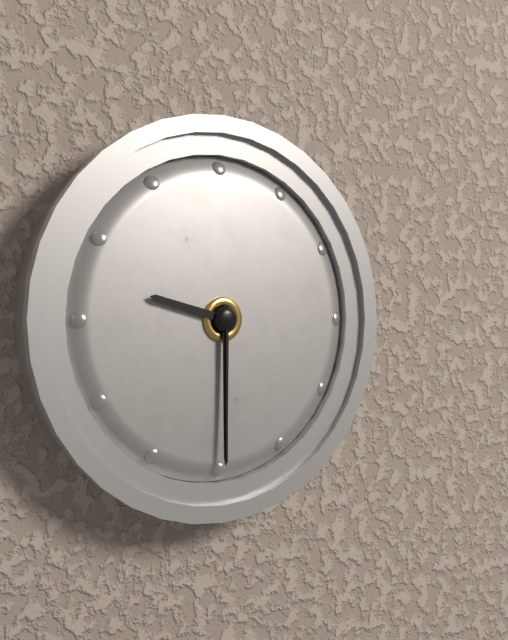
9:30:30
